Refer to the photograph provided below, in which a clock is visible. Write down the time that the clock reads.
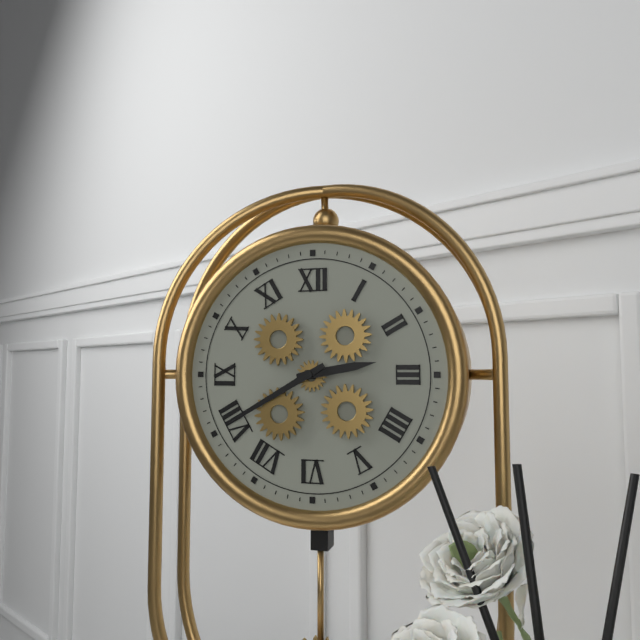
2:40
